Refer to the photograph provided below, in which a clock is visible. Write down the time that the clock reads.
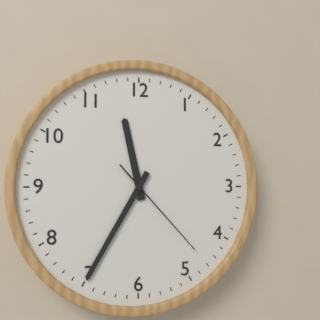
11:35:23
